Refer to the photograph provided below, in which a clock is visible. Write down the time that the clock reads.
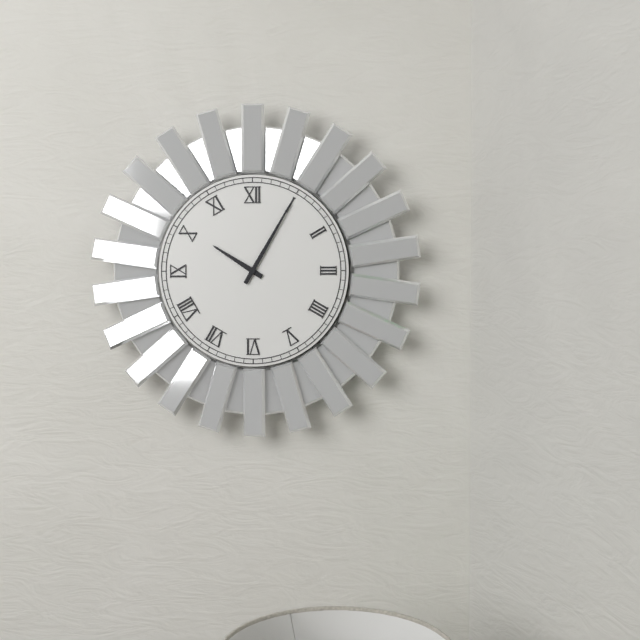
10:05
